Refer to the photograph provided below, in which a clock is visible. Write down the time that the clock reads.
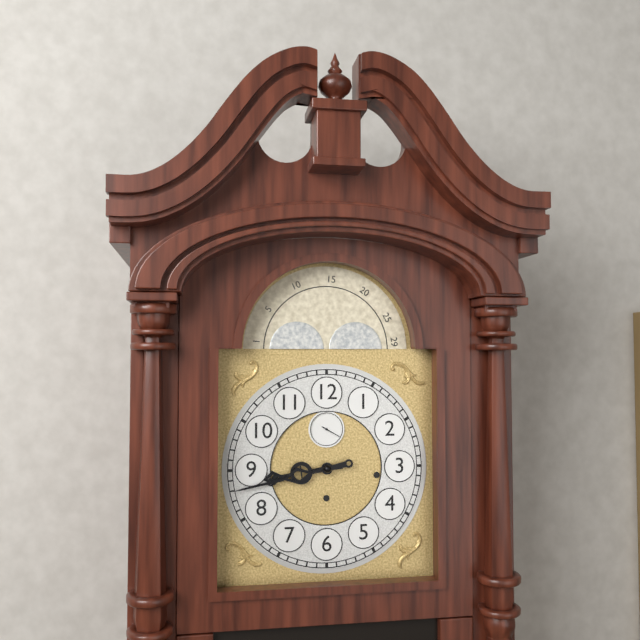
8:43
